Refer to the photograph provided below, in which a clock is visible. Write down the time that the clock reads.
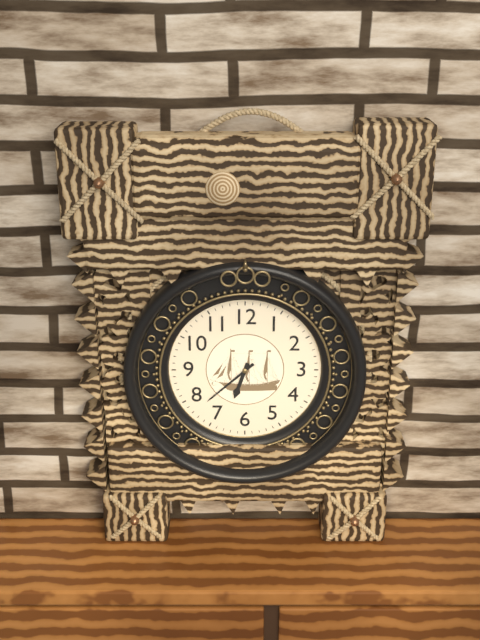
6:38
